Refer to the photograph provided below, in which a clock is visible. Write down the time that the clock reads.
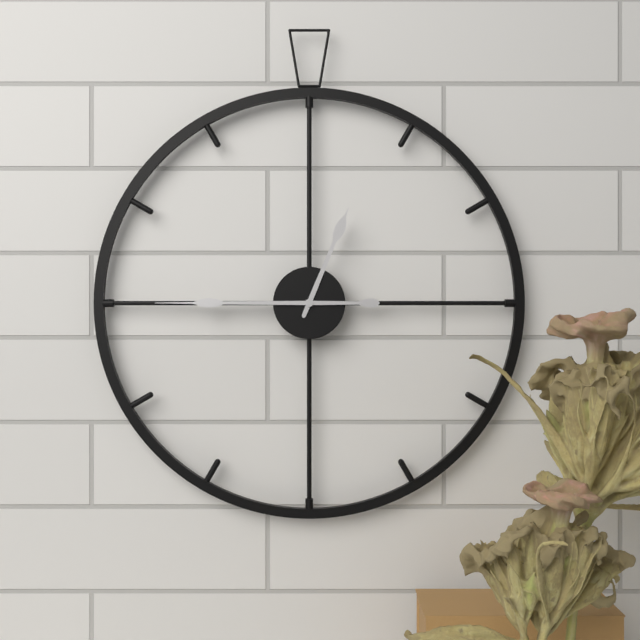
12:45
